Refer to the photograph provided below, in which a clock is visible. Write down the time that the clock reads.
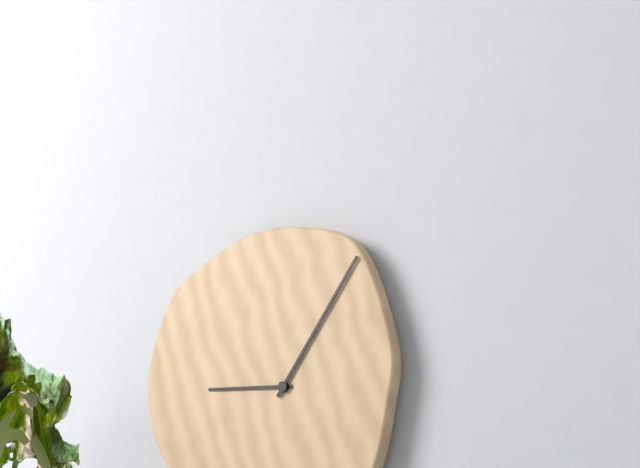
9:06
